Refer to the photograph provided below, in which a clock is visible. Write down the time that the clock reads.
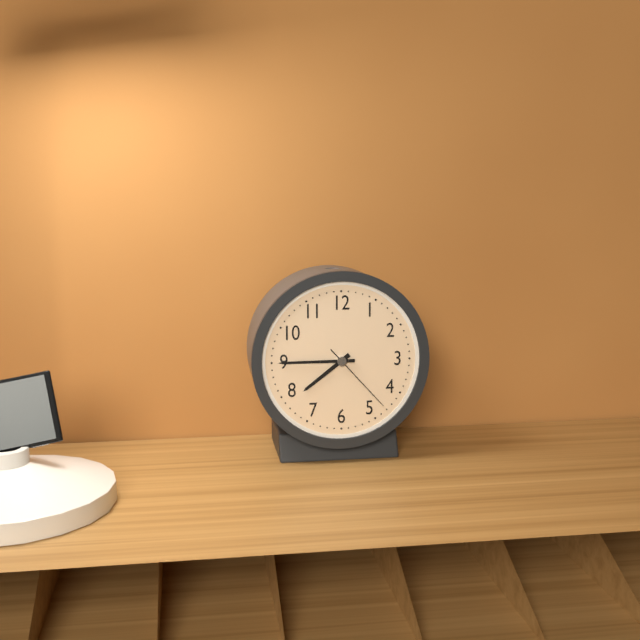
7:45:23
